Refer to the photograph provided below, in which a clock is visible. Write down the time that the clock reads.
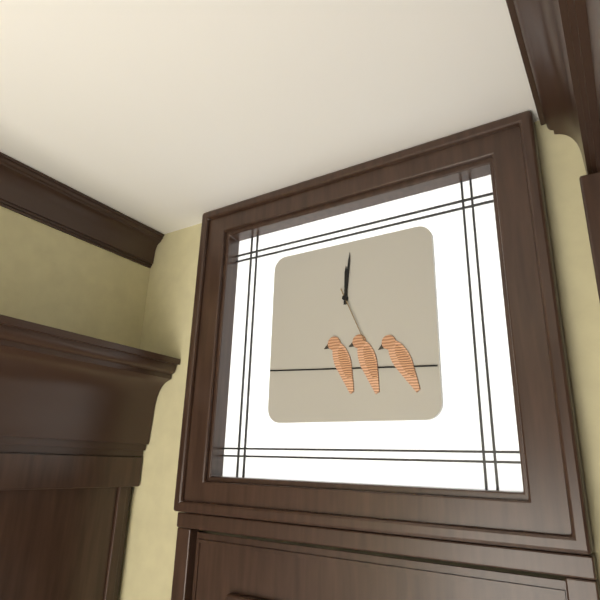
12:01:26
